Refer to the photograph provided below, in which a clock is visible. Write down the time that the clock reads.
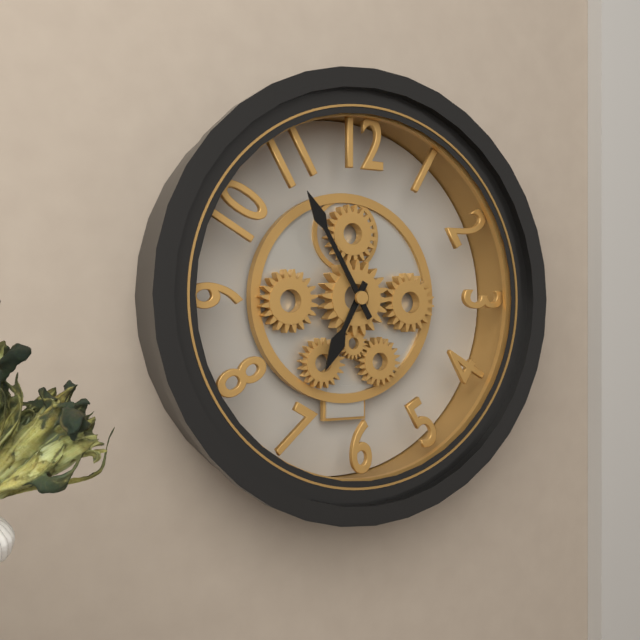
6:55
